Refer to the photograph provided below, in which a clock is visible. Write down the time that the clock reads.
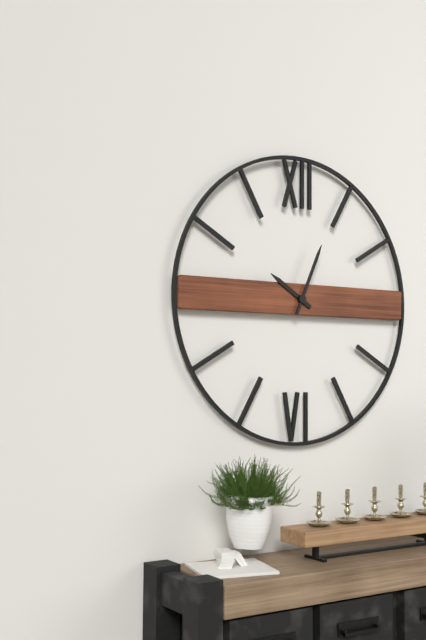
10:04
